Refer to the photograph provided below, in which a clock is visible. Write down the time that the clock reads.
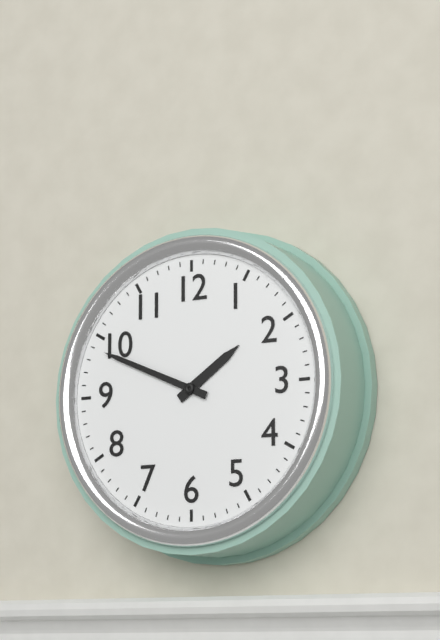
1:49
